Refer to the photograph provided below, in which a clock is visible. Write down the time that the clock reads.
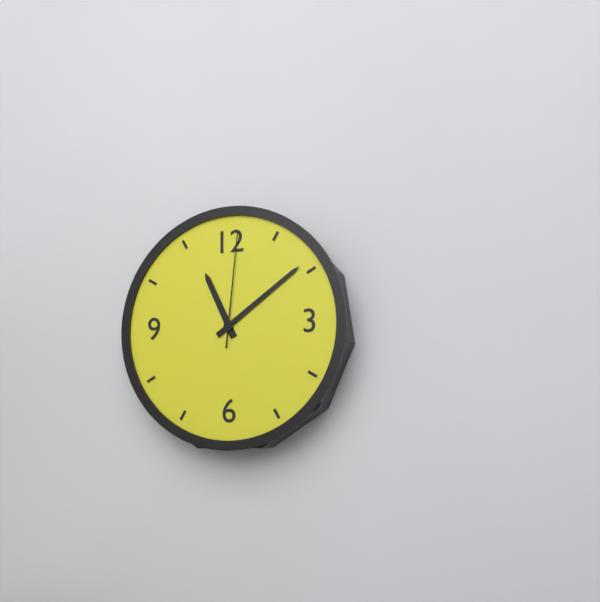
11:09:01
